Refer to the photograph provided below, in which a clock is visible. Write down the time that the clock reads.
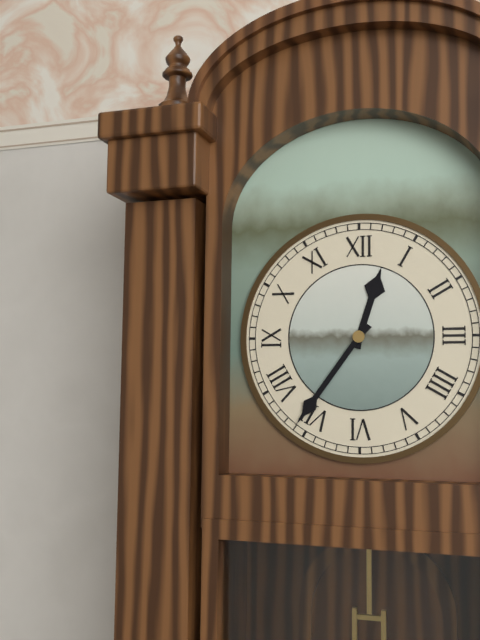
12:36
